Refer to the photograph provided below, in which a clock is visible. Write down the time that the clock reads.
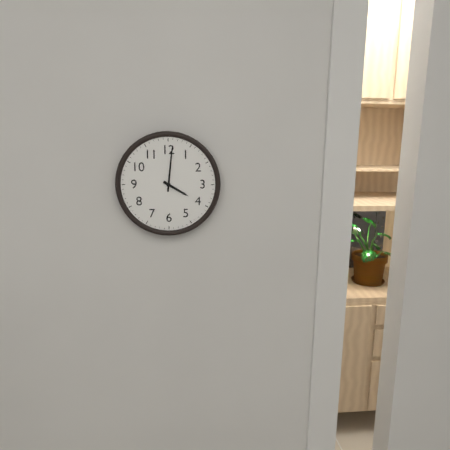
4:01
